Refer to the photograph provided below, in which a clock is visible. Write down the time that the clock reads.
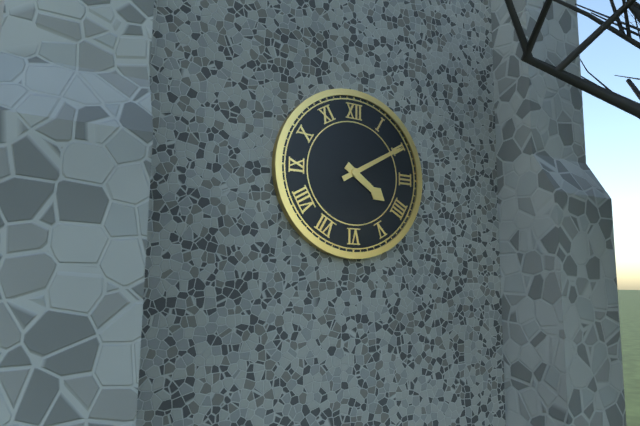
4:10
